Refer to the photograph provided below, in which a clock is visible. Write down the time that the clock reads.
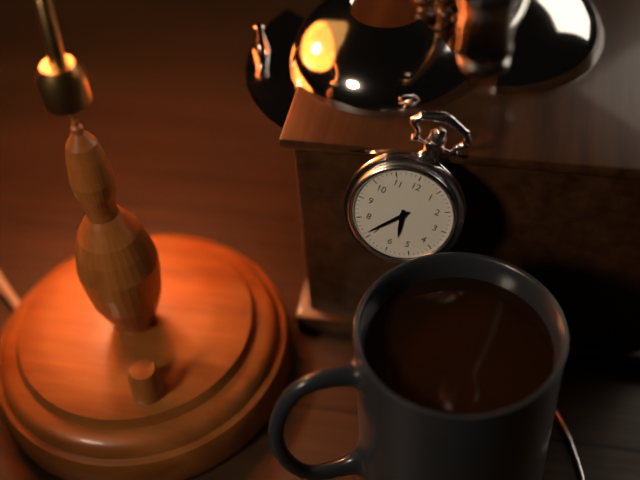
5:36
